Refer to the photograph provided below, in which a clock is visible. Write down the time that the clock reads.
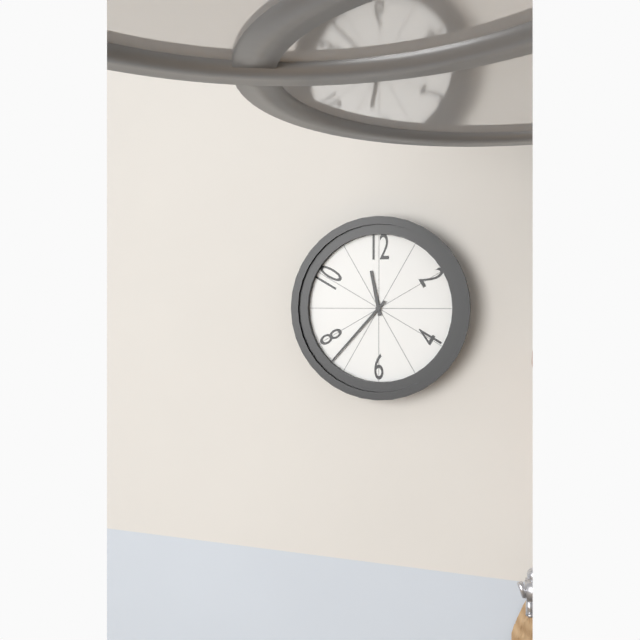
11:37
